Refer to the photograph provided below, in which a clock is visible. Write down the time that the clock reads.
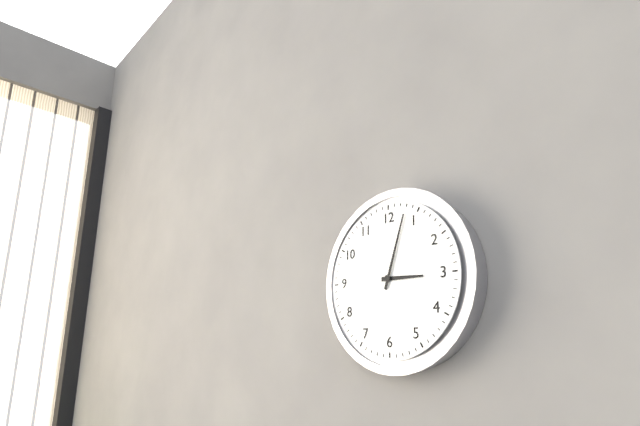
3:03
